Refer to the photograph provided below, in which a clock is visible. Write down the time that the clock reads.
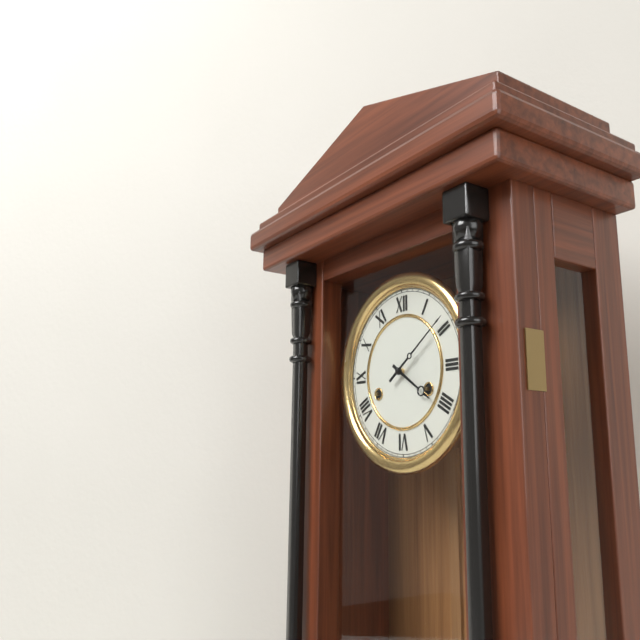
4:09
